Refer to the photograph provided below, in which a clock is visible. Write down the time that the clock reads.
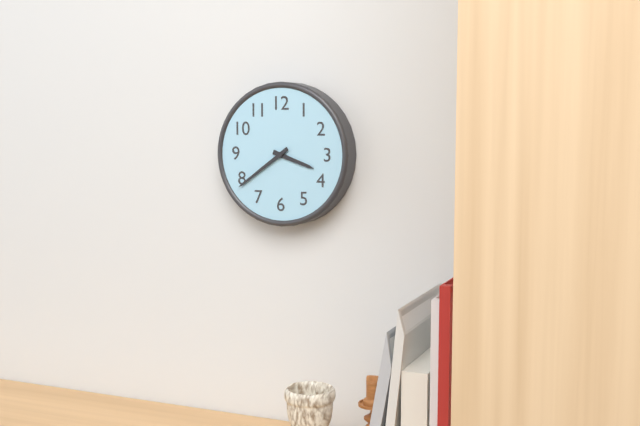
3:39
